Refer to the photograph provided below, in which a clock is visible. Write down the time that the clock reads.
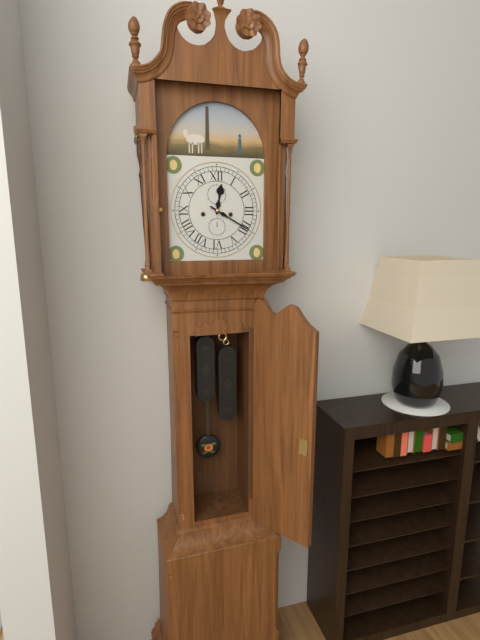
12:20
